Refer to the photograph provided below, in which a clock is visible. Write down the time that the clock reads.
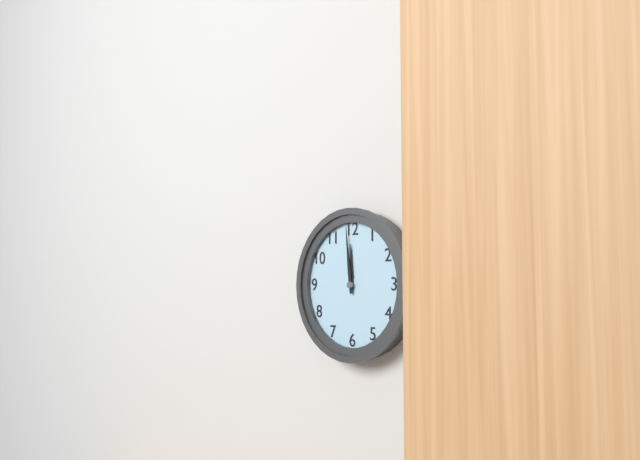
11:59
